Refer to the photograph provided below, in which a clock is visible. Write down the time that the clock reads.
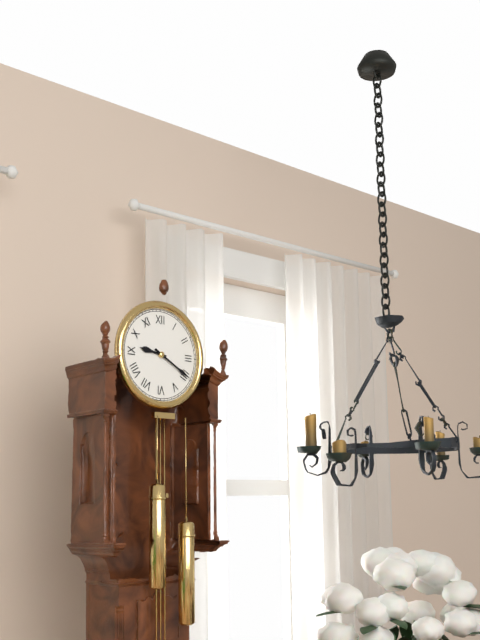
9:20
